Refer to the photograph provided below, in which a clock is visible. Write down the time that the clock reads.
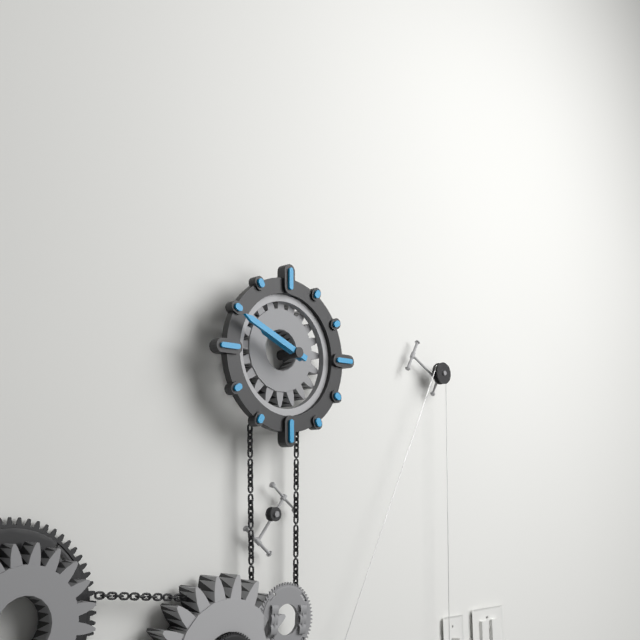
9:49
